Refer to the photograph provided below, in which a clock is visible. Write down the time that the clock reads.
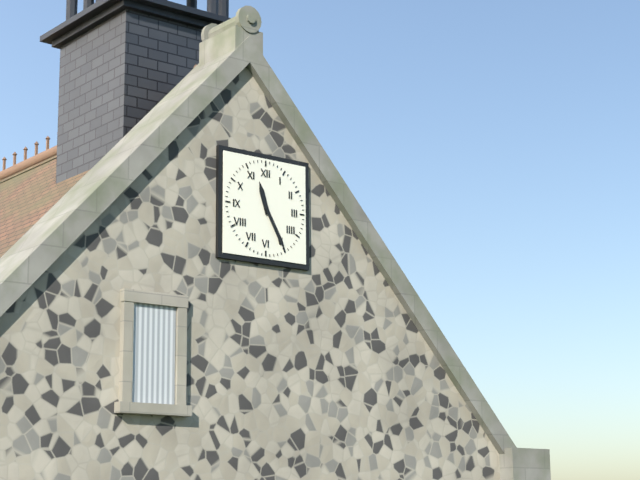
11:25
